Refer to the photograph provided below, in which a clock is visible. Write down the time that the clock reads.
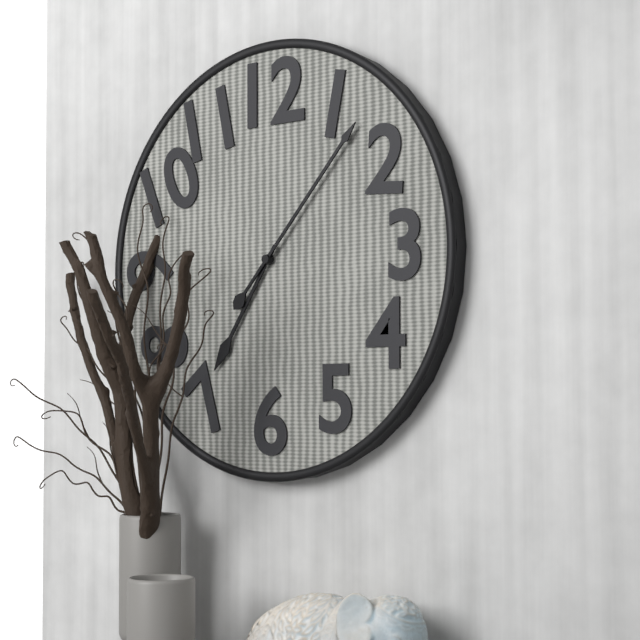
7:07
